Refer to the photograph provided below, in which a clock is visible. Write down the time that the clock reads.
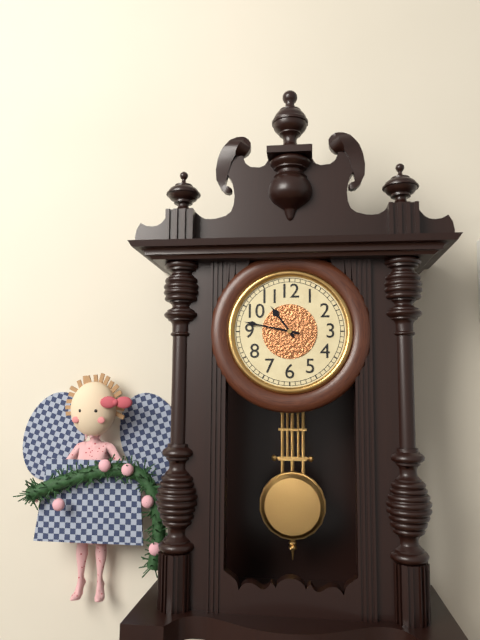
10:47
